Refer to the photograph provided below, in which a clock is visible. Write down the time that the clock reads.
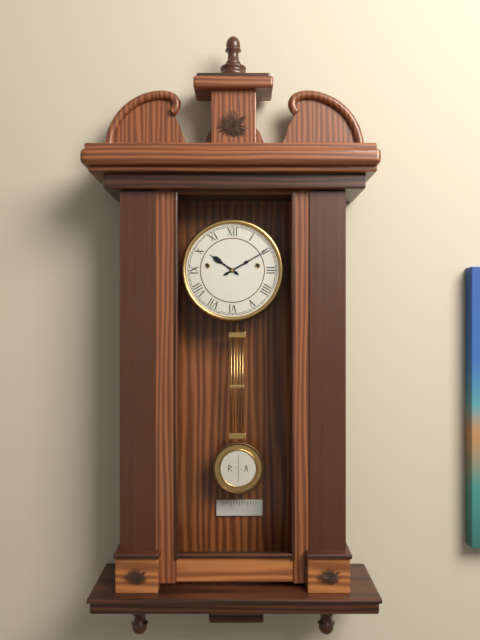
10:10
